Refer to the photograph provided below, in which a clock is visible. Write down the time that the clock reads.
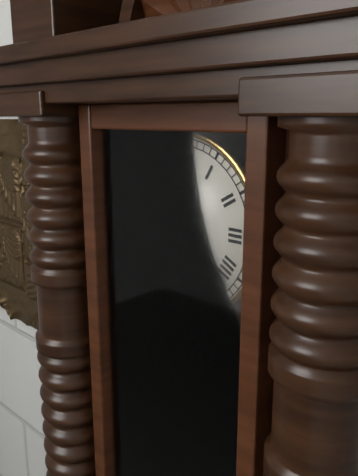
6:22
